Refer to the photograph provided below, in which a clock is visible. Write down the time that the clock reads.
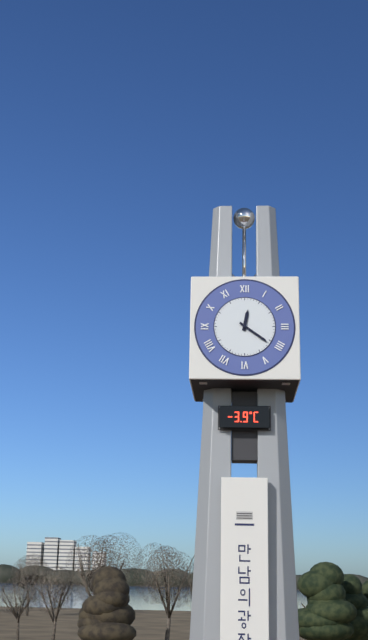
12:21
